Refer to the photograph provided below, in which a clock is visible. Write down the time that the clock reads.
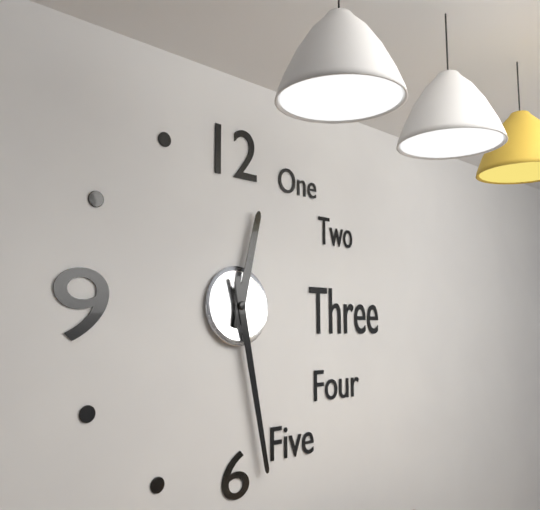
12:28
